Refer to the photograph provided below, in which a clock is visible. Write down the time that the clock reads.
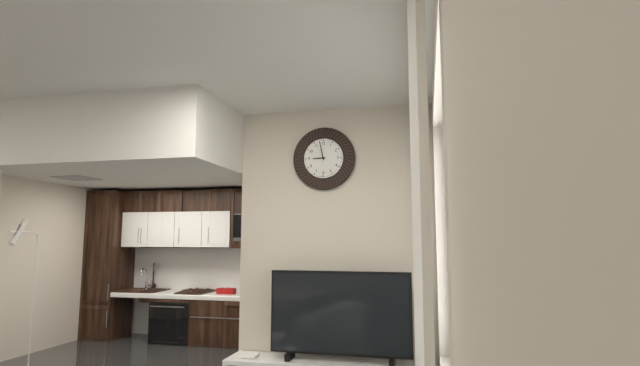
8:58
